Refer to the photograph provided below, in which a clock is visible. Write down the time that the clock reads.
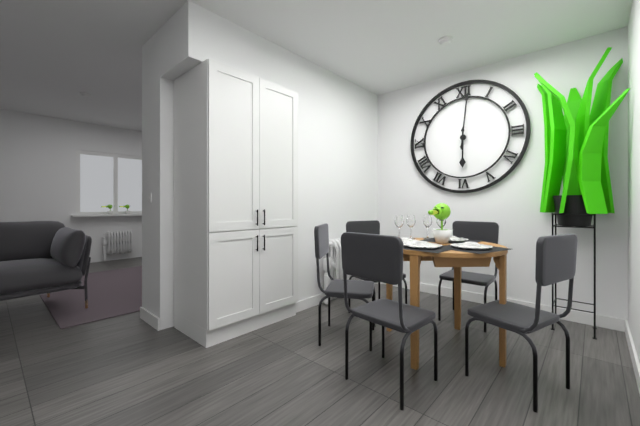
6:01
